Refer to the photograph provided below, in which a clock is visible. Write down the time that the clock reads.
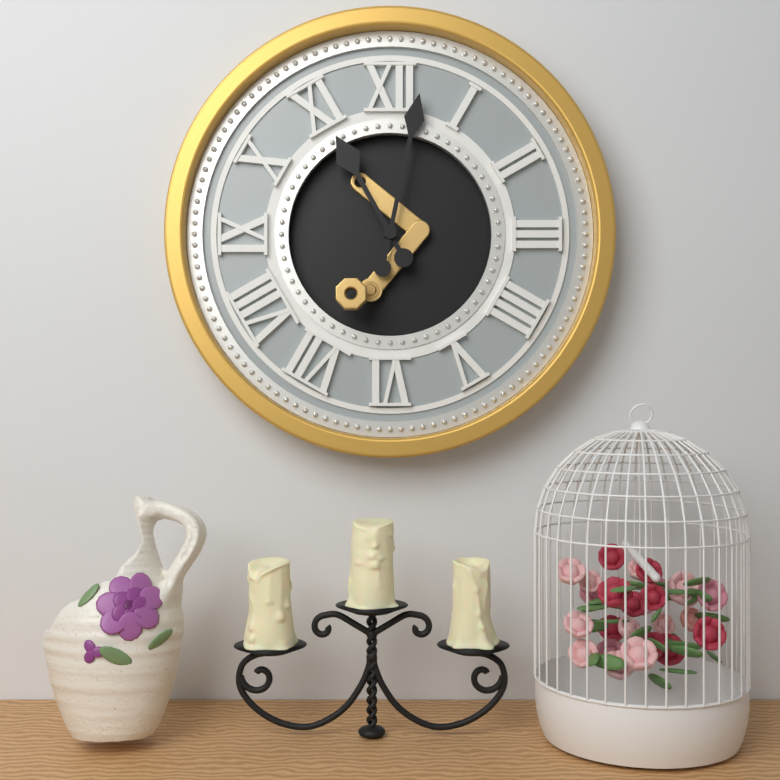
11:02
